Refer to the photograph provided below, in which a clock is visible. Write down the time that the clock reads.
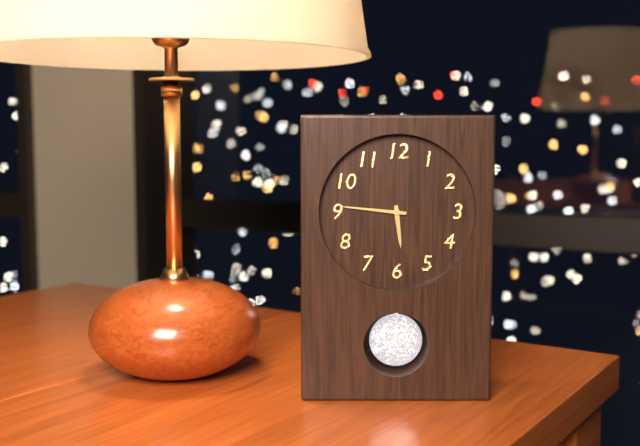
5:46
